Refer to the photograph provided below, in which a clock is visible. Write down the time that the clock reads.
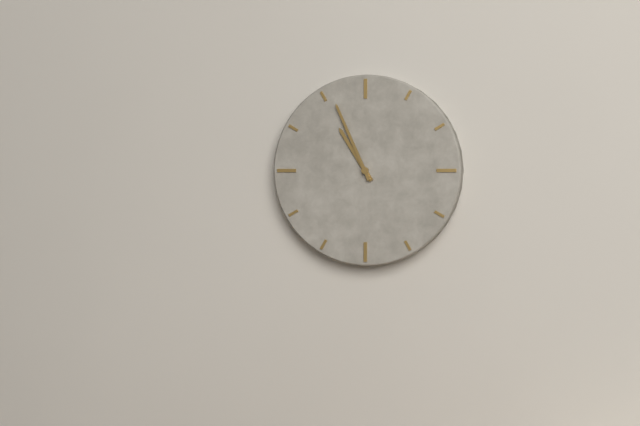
10:56
